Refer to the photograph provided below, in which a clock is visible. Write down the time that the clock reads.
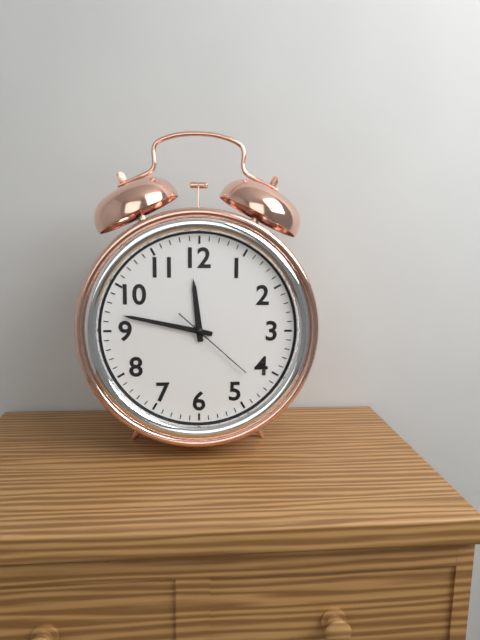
11:47:22
